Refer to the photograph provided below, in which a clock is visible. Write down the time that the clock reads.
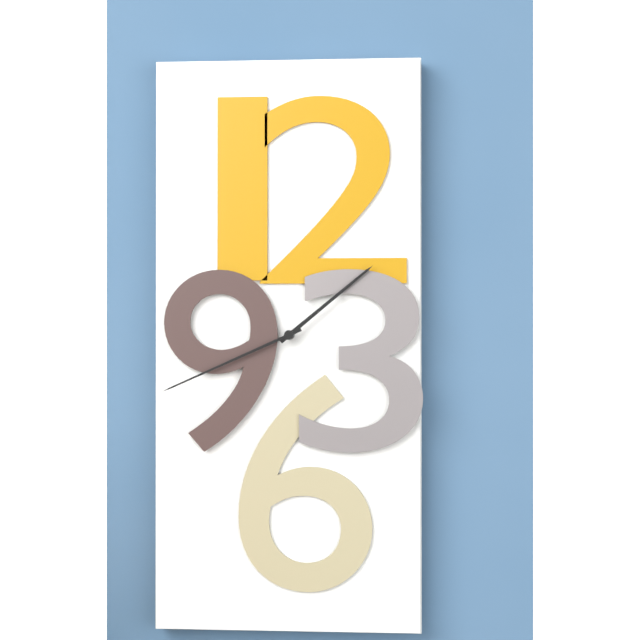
1:41
